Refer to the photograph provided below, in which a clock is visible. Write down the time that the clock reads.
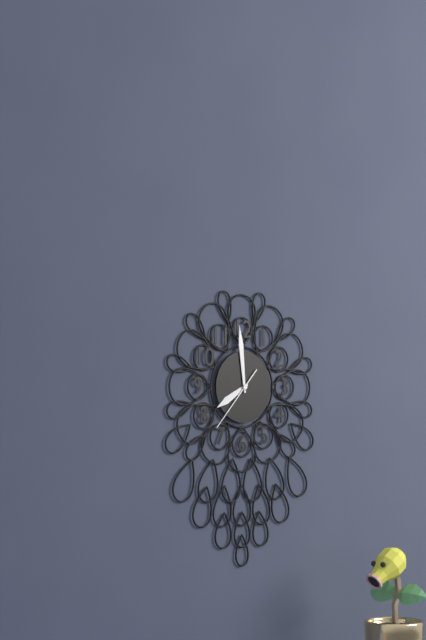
7:59:37
